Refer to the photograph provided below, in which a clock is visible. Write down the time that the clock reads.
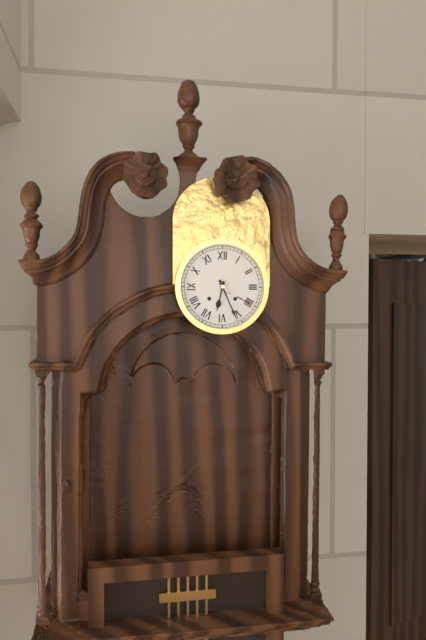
6:26
